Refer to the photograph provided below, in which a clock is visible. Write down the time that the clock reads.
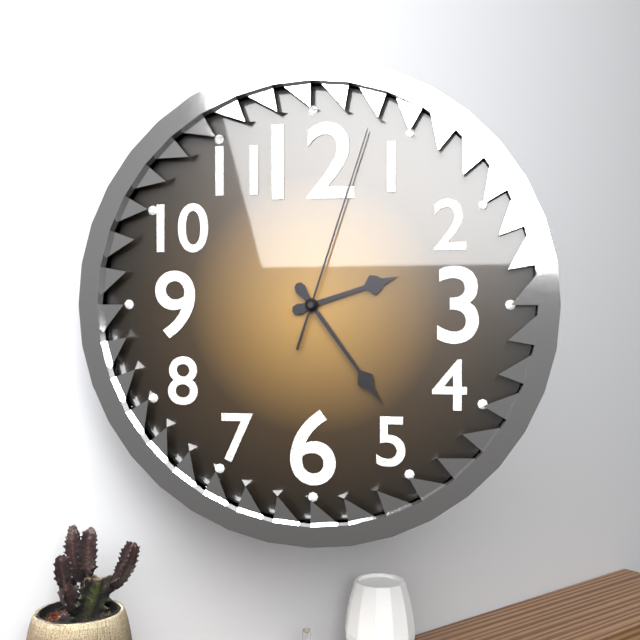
2:24:03
